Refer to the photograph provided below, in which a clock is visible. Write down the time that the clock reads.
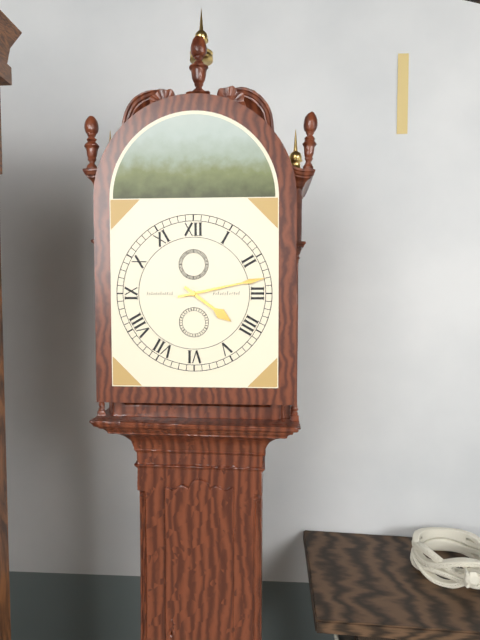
4:13
